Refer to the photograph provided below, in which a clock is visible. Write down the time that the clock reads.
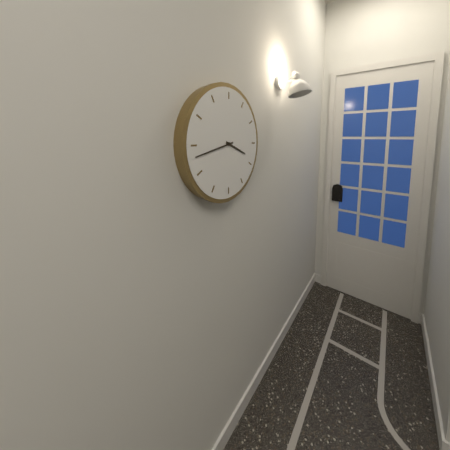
3:43
